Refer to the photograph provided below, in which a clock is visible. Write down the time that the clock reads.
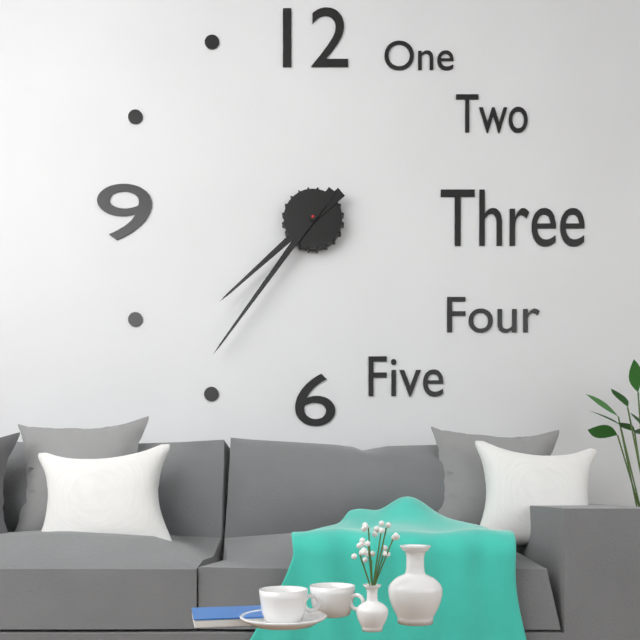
7:36
